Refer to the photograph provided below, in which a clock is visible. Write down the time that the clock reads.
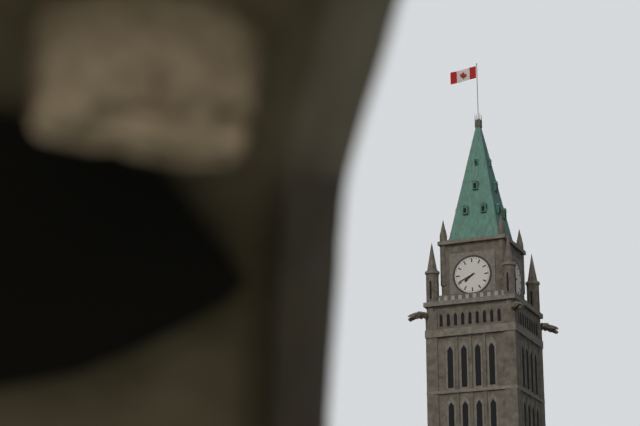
7:41
